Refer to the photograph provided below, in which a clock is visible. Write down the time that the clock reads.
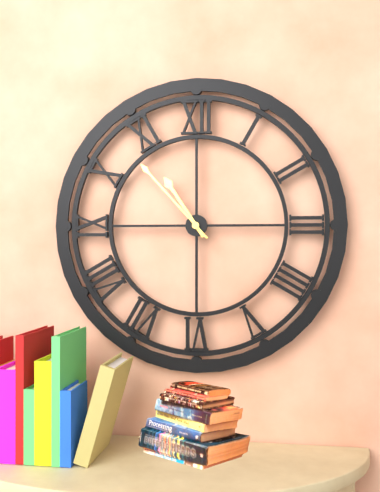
10:53
